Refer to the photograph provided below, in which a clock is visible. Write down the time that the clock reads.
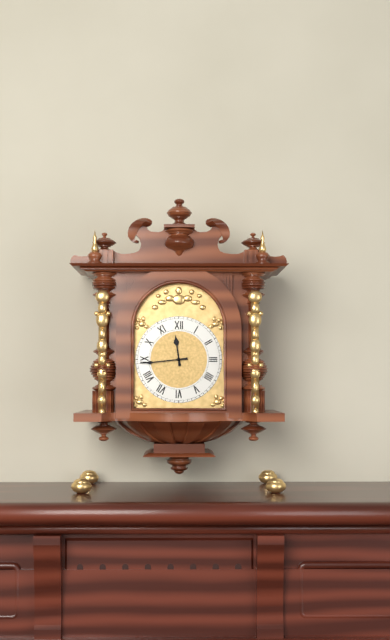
11:44
